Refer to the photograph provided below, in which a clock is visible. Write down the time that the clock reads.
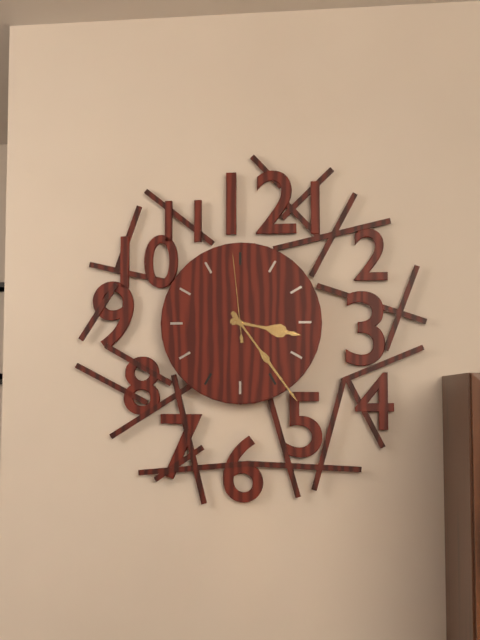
3:24:59
